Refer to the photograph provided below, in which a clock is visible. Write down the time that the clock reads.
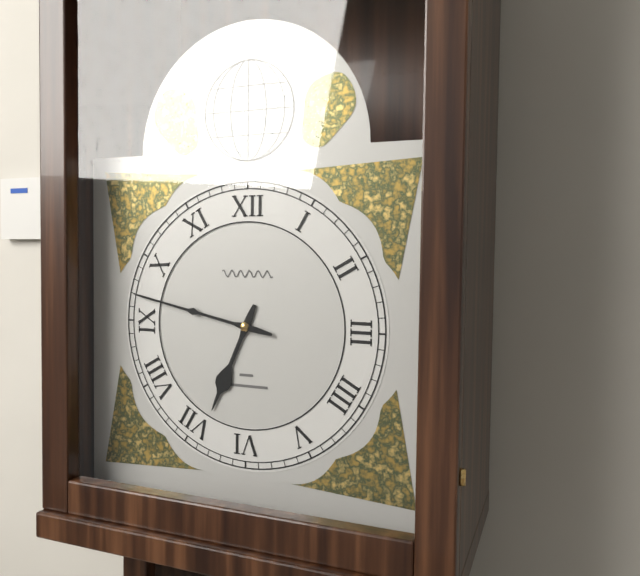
6:47
